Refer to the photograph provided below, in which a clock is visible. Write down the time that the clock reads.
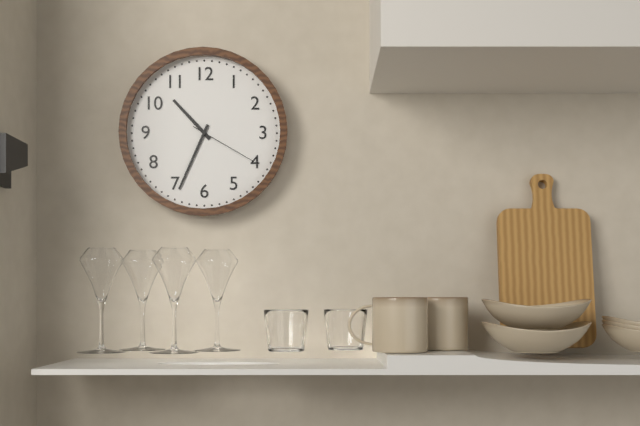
10:34:20
